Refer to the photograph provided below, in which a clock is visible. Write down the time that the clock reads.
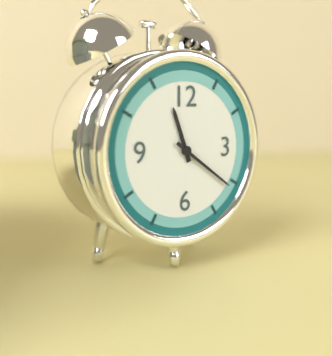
11:21
